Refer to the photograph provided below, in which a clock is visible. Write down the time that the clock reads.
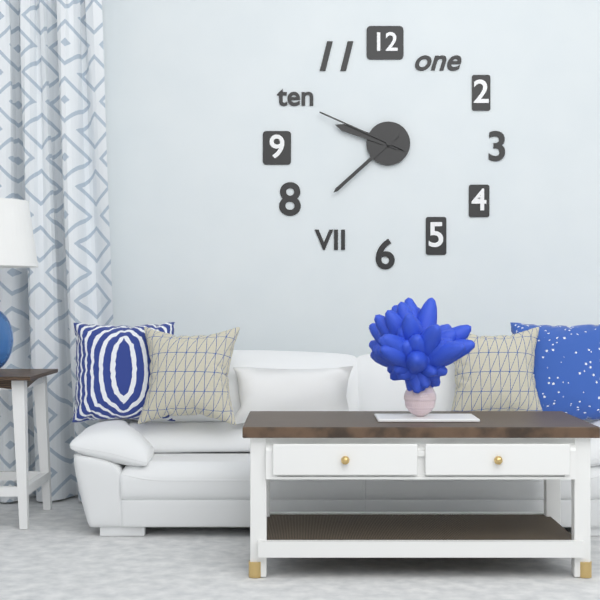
9:38:49
